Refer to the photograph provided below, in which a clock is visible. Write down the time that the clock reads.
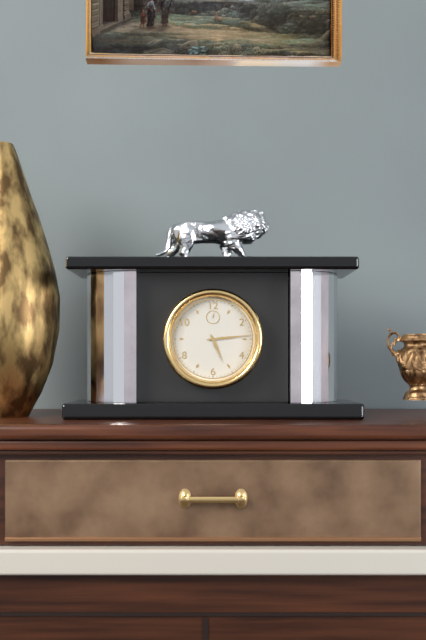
5:14
